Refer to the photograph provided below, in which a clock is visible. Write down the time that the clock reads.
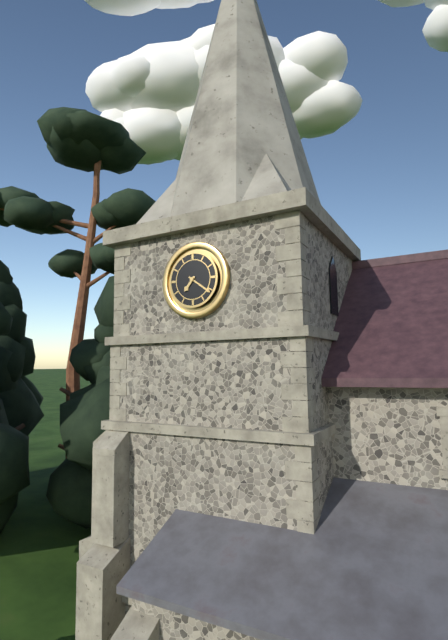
7:21
